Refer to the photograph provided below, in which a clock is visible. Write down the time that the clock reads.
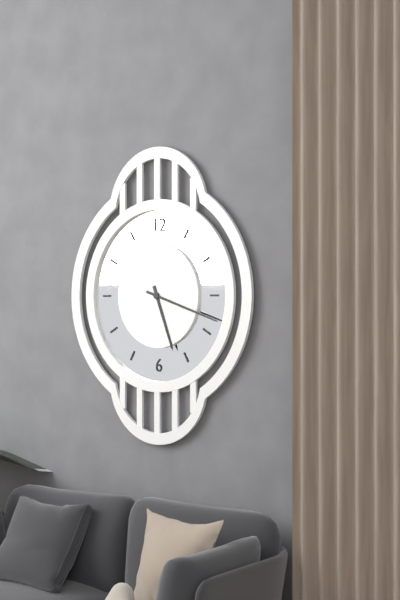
5:18
